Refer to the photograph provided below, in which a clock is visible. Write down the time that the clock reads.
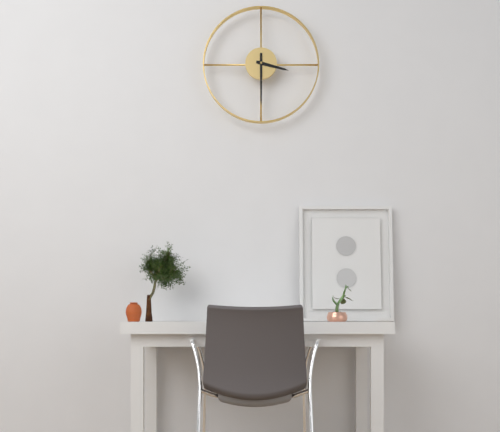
3:30
